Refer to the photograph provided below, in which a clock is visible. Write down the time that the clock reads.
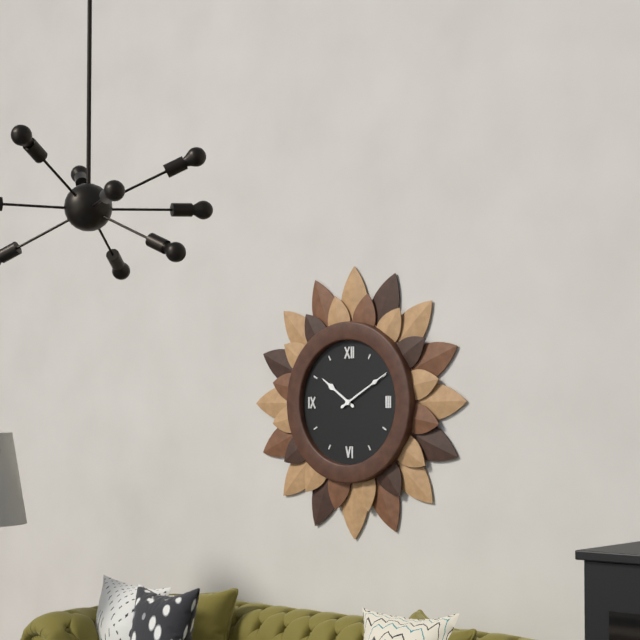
10:10
